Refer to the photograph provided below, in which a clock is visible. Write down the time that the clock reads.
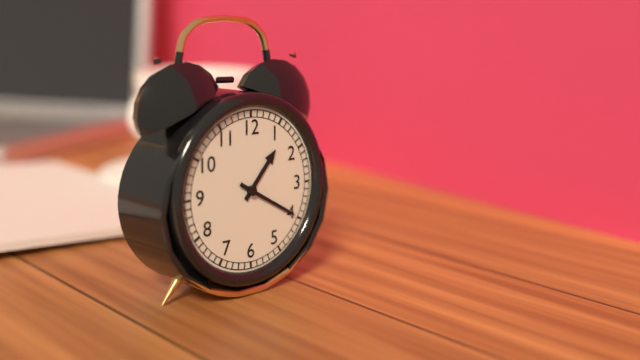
1:20
